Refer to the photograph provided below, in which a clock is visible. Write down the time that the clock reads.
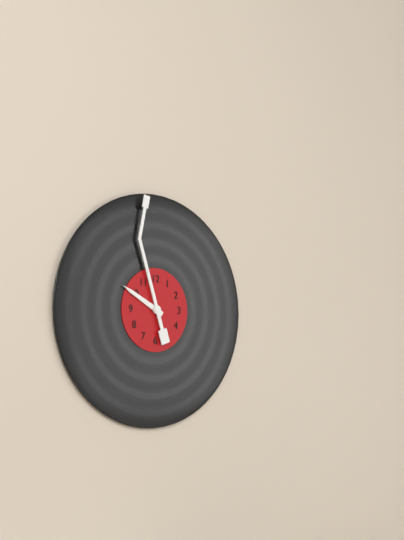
9:57
